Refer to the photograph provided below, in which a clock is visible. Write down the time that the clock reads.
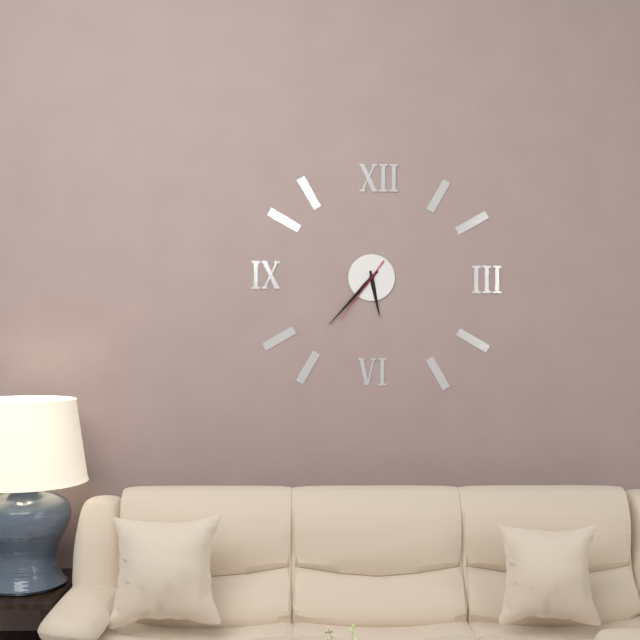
5:37:36
